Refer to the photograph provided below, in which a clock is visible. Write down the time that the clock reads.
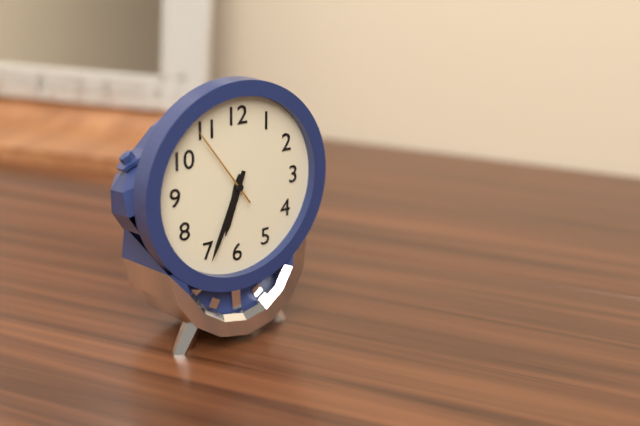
6:34:54
